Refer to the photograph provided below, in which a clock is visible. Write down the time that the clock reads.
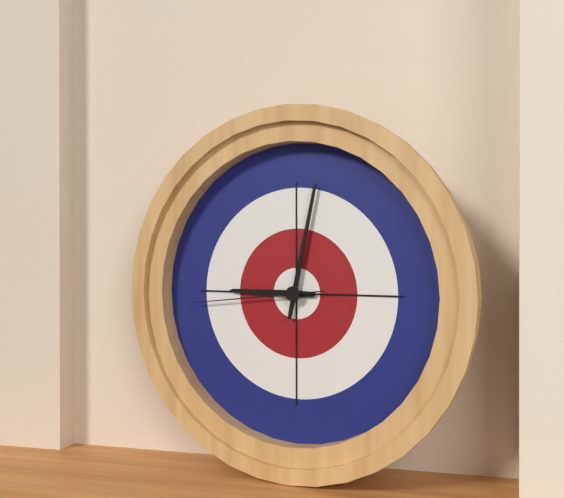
9:02:44
